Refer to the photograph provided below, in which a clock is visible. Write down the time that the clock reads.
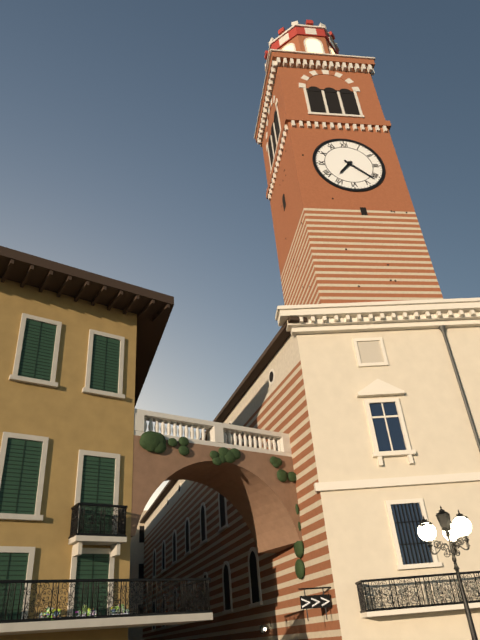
7:22
